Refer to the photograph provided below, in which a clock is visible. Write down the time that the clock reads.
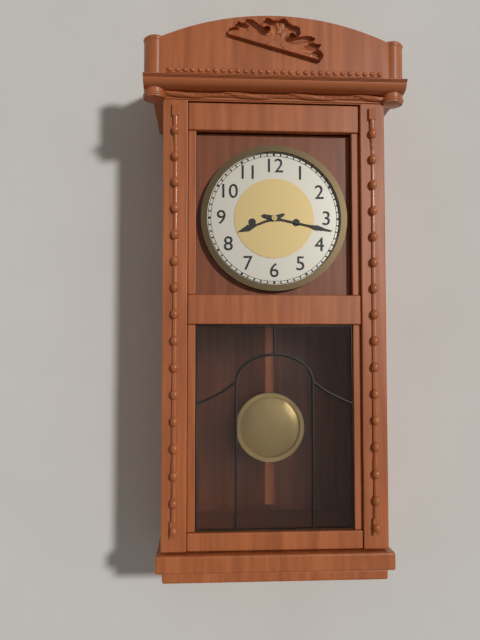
8:17
